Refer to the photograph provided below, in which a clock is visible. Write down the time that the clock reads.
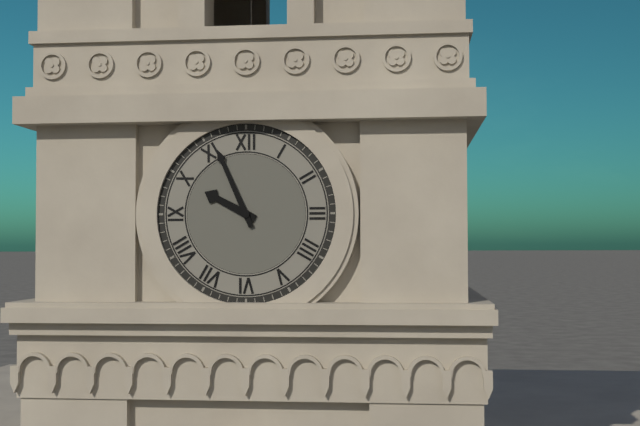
9:56
